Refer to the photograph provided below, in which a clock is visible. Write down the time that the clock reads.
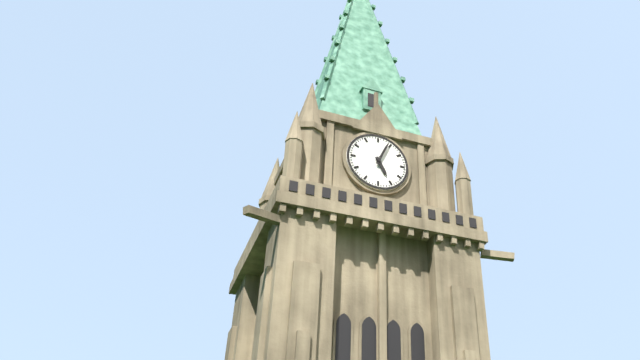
5:04
